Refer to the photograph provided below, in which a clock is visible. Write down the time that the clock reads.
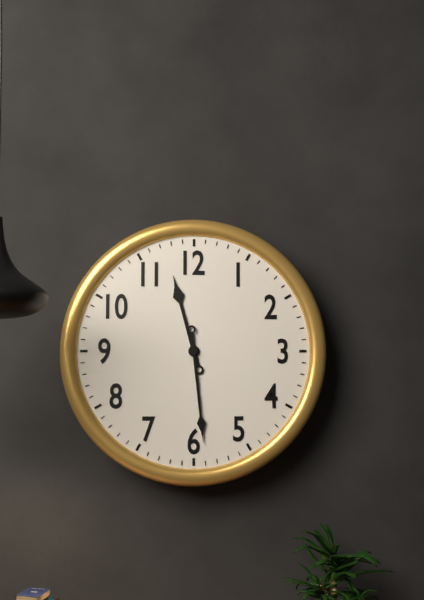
11:29
